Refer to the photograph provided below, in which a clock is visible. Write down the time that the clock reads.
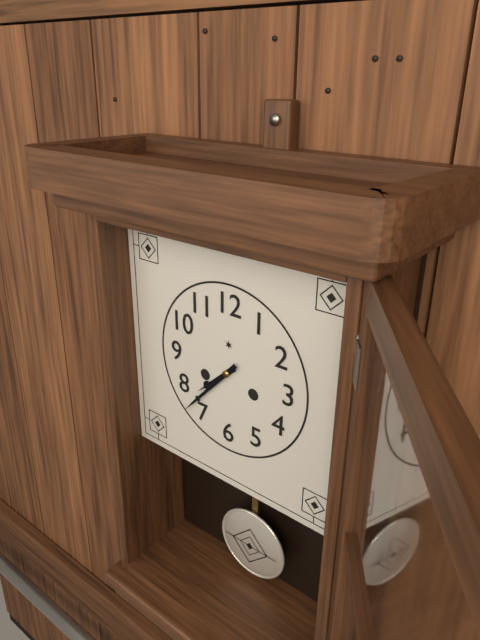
7:37
